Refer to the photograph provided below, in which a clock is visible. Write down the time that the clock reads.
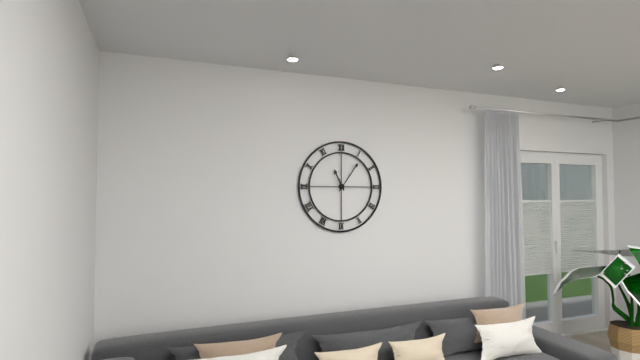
11:06
